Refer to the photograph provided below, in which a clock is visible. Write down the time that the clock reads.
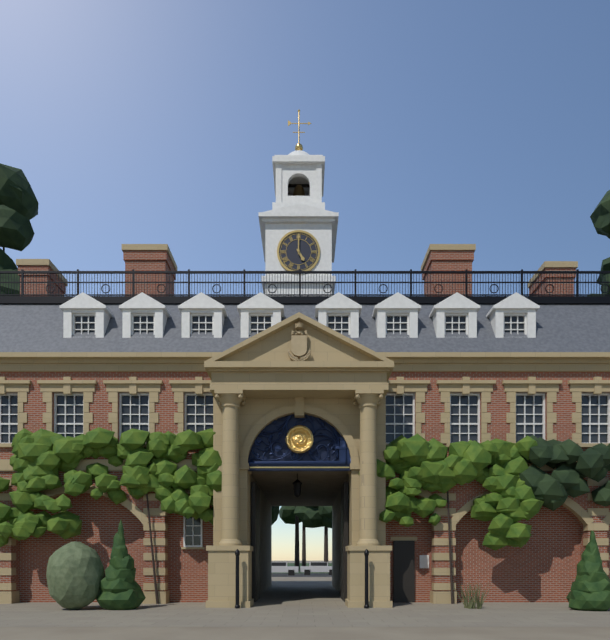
5:00
